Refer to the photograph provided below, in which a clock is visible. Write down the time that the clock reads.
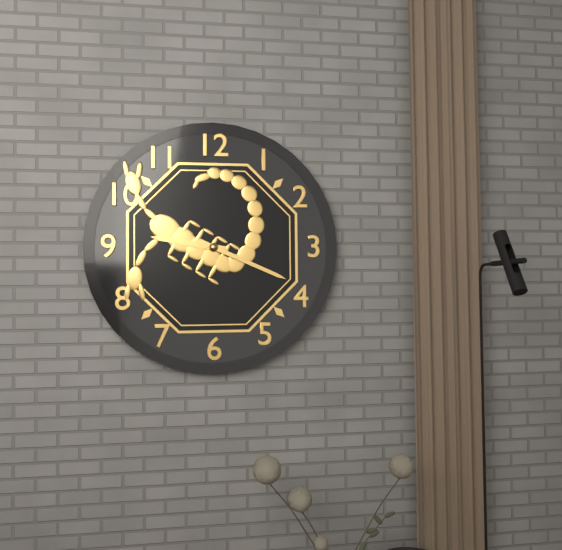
9:19
